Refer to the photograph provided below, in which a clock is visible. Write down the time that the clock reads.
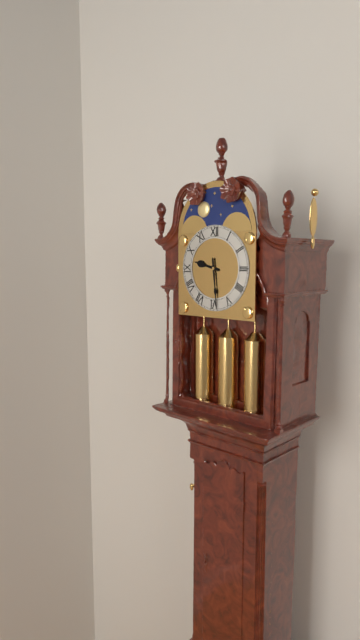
9:29
